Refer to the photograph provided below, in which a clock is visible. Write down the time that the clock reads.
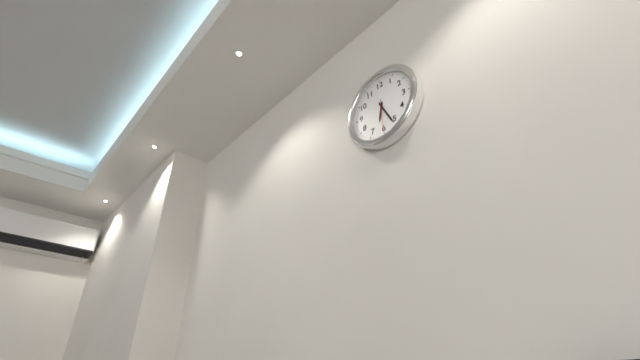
6:26
